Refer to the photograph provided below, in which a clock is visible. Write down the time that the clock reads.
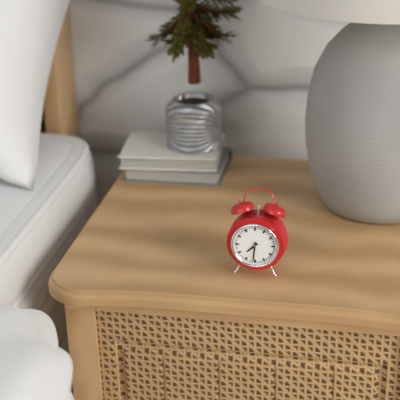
7:31
